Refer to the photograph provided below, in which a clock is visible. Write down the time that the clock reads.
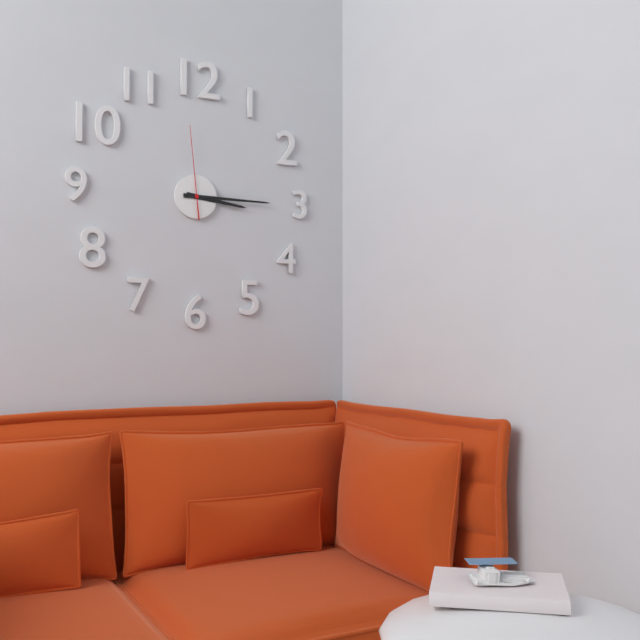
3:15:59
